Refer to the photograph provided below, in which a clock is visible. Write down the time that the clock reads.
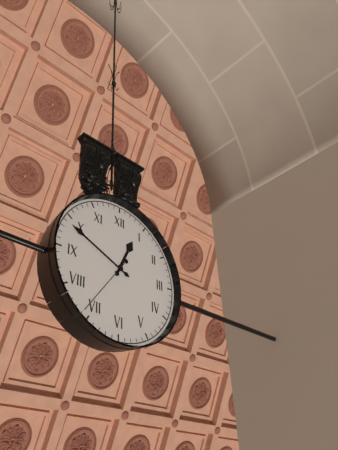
12:49:36
